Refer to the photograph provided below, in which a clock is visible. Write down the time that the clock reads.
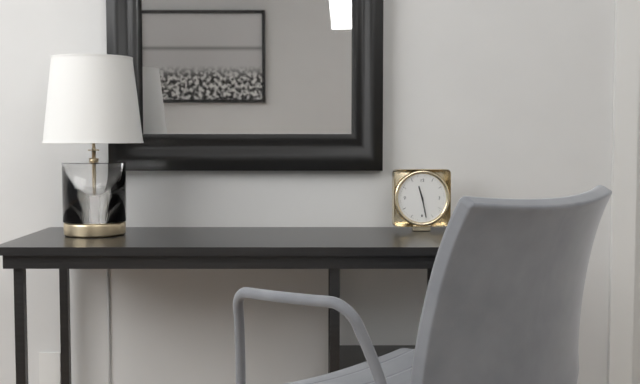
11:28
